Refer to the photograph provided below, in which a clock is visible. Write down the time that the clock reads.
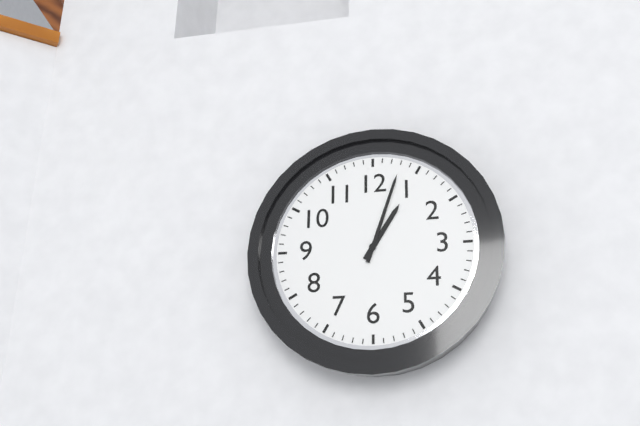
1:03
